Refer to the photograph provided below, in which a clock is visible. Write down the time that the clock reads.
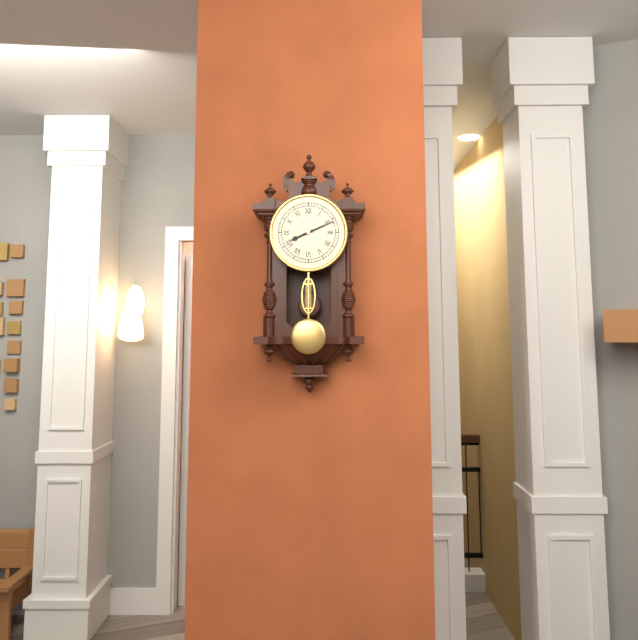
8:11
